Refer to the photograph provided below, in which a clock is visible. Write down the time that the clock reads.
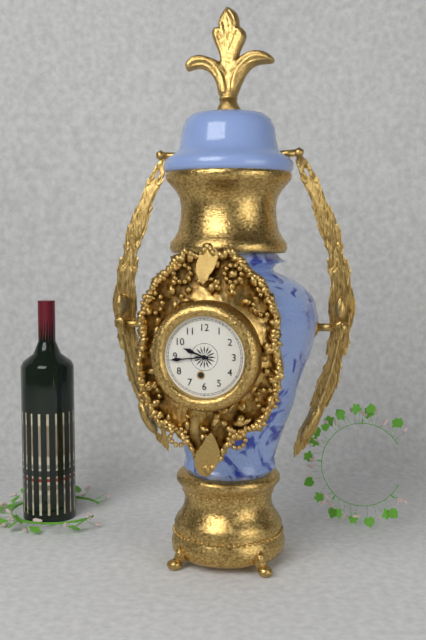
9:44
